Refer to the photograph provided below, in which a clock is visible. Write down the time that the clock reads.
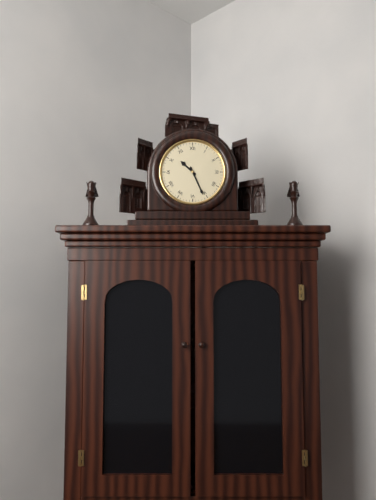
10:26
